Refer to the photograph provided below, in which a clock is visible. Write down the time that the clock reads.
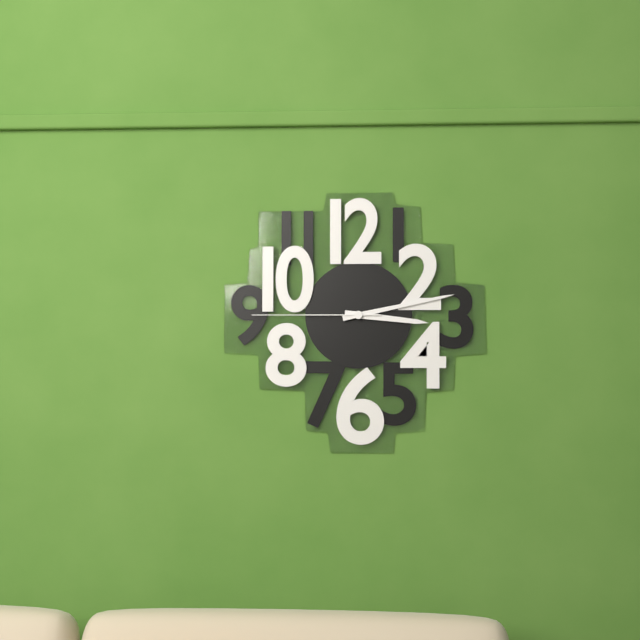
3:13:45
